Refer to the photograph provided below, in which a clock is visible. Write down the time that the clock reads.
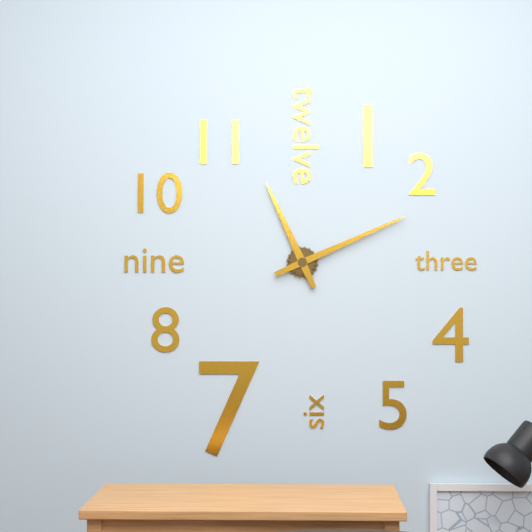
11:11
